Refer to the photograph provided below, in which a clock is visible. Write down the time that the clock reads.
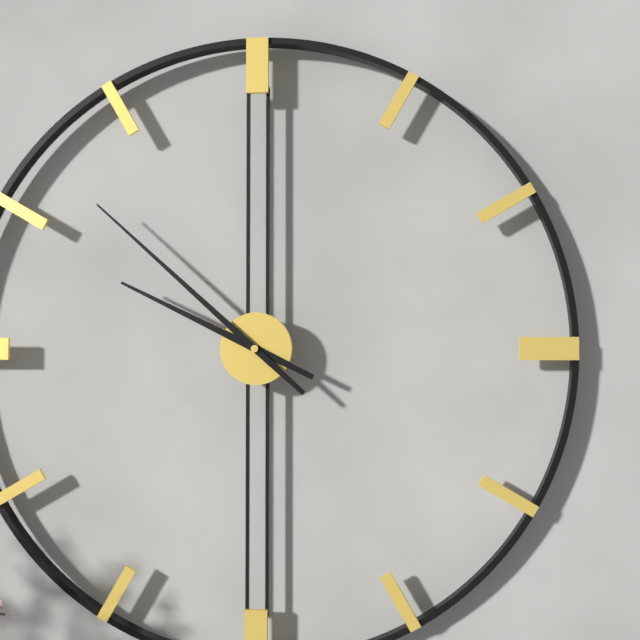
9:52
